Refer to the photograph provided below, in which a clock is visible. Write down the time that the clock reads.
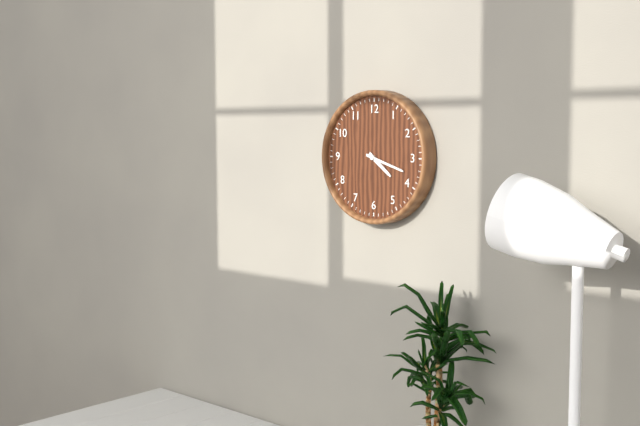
4:18
